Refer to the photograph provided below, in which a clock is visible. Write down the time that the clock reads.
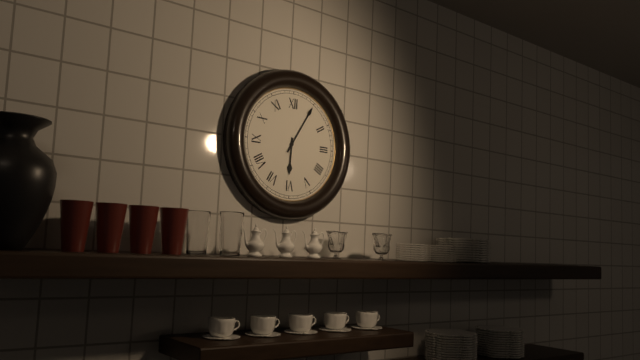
6:05
